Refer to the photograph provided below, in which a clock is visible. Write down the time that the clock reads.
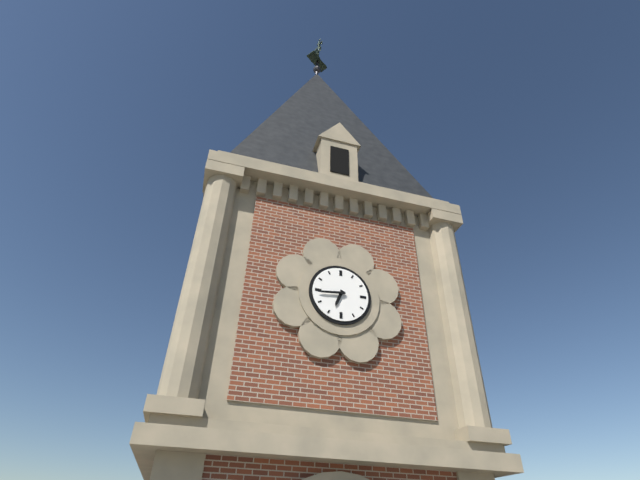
6:44
